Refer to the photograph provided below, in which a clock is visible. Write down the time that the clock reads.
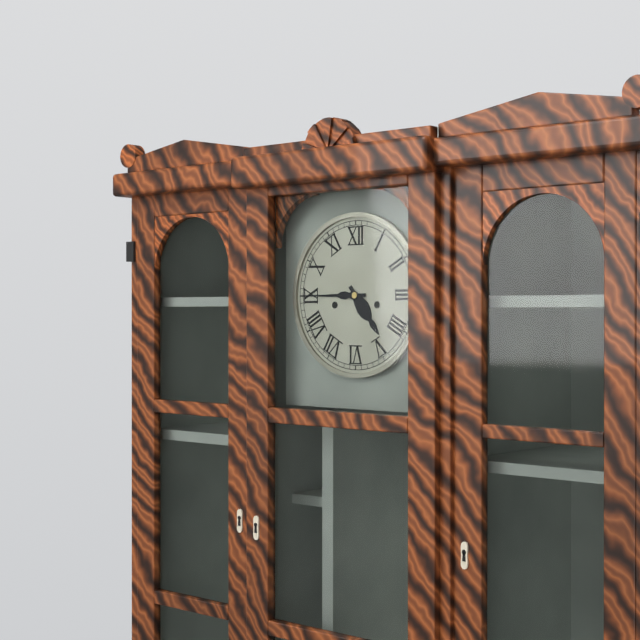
4:45
